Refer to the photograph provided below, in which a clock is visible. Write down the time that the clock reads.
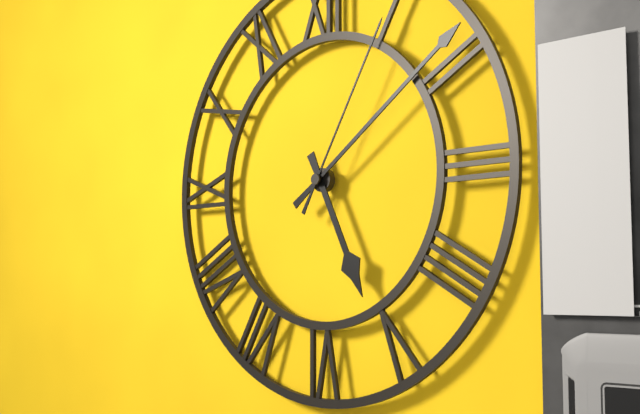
5:09:05
